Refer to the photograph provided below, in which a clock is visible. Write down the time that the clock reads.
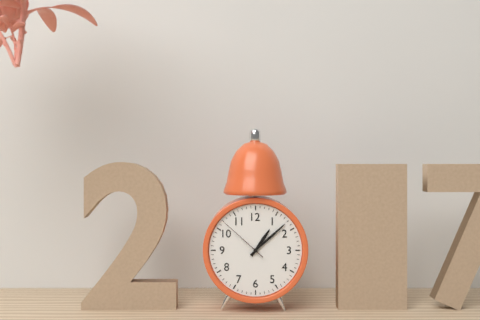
1:08:52
